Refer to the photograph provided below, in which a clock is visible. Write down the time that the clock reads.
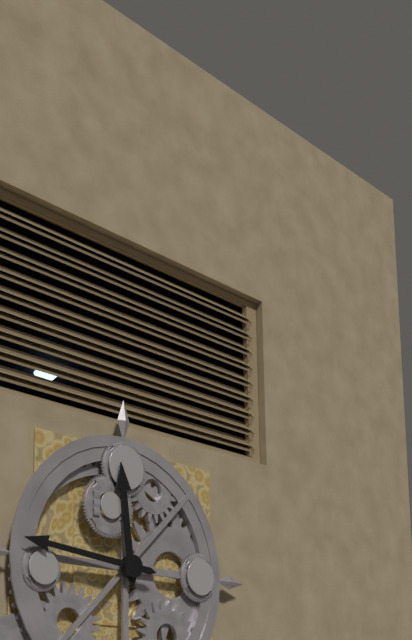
11:46
